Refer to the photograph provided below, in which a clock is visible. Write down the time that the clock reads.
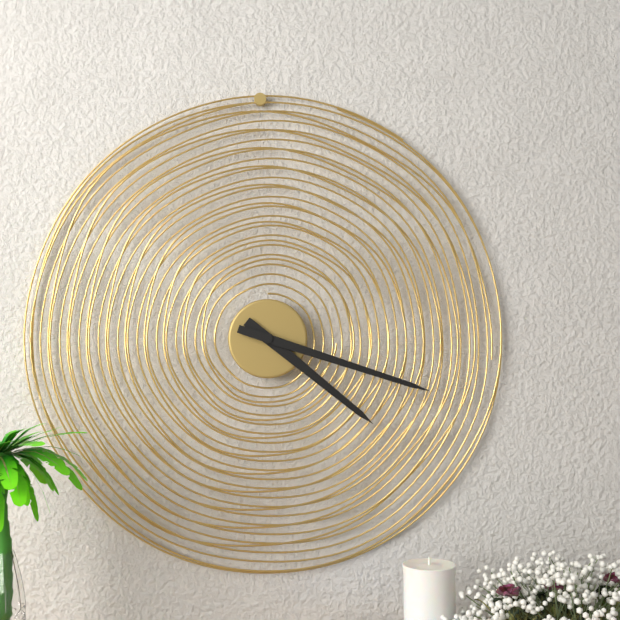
4:18
